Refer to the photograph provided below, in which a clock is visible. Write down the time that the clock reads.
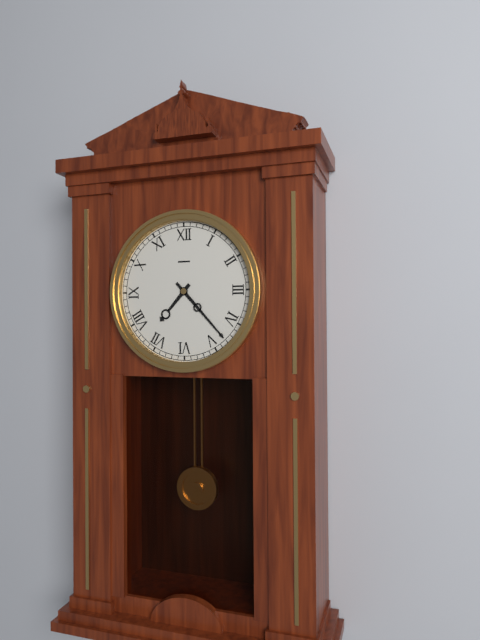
7:23
